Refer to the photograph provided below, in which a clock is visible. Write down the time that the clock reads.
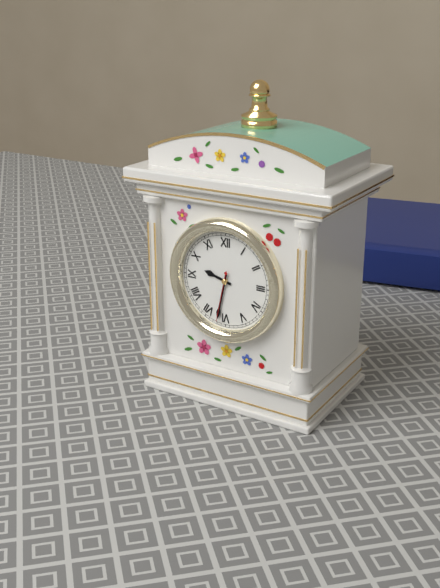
9:32:32
